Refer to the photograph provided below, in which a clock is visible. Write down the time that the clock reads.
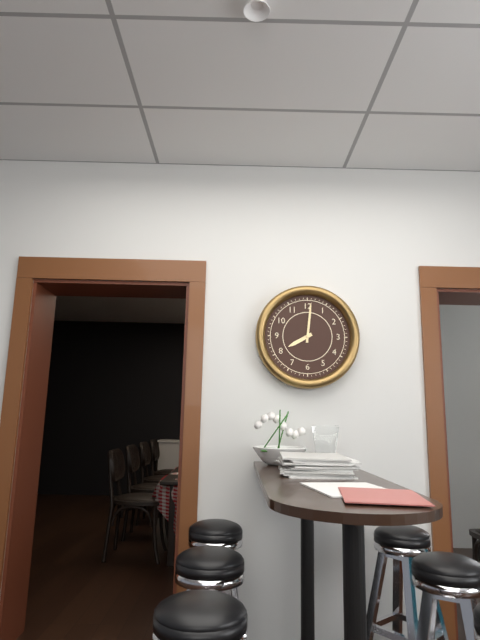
8:01
